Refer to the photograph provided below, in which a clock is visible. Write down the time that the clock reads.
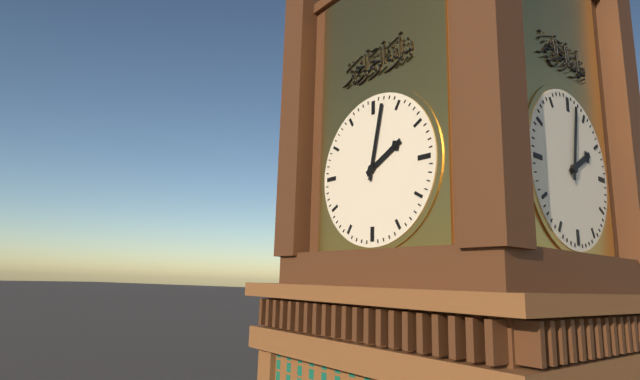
2:02
